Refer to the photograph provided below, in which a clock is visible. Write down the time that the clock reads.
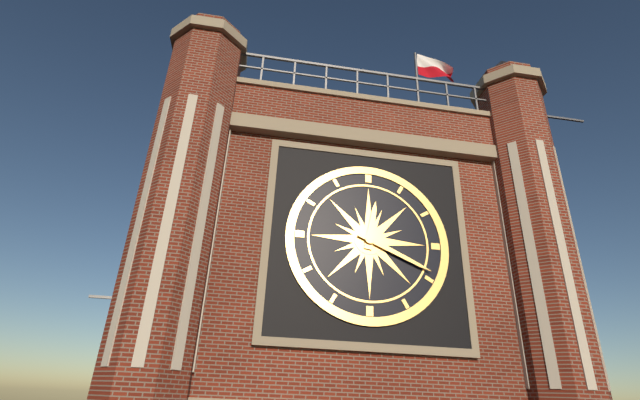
12:19
